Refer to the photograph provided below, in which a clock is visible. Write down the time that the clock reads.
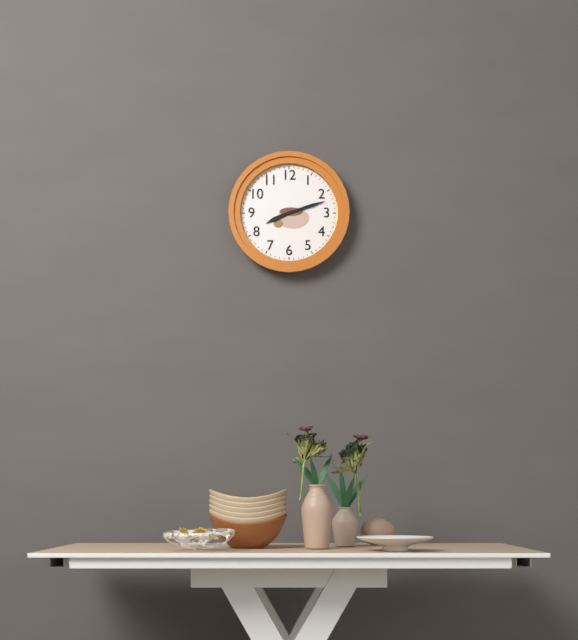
8:12
